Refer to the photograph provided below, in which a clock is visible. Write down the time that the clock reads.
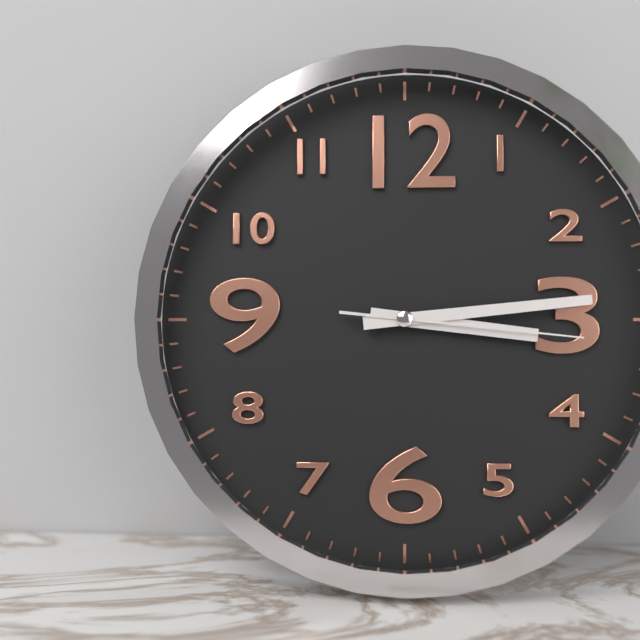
3:14:16
